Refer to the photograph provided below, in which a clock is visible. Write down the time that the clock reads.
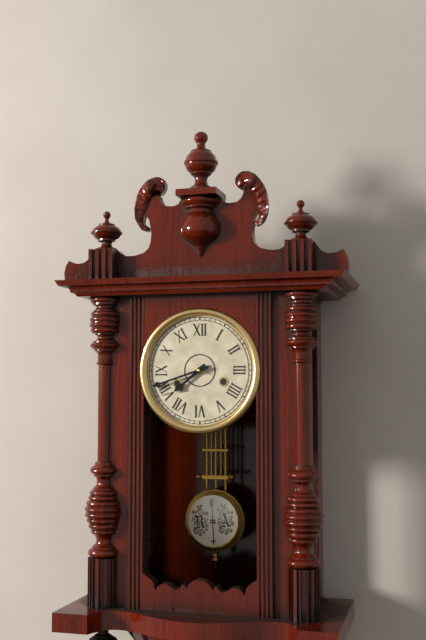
7:42
